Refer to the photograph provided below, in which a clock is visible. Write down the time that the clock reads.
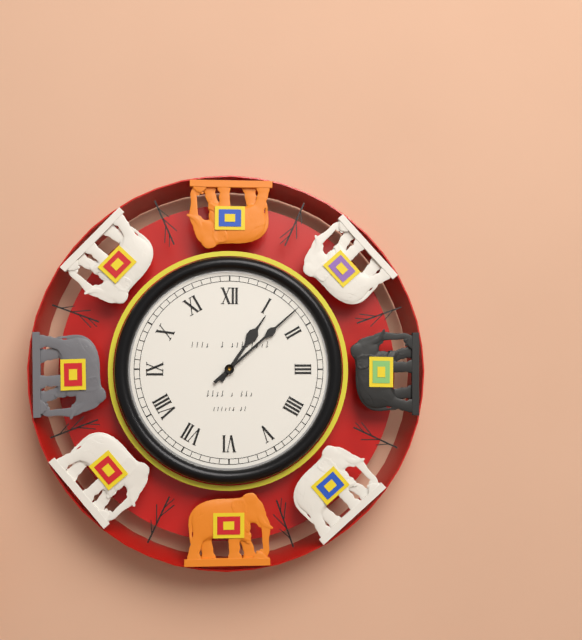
1:08
